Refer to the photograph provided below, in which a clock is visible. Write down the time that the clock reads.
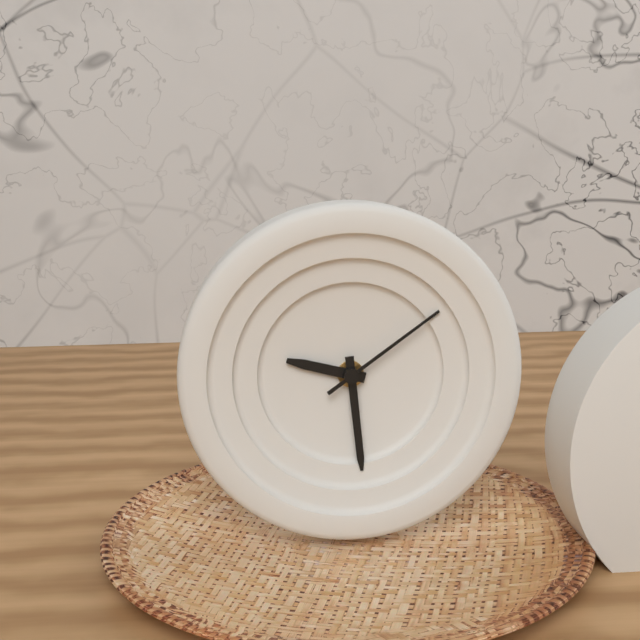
9:29:09
